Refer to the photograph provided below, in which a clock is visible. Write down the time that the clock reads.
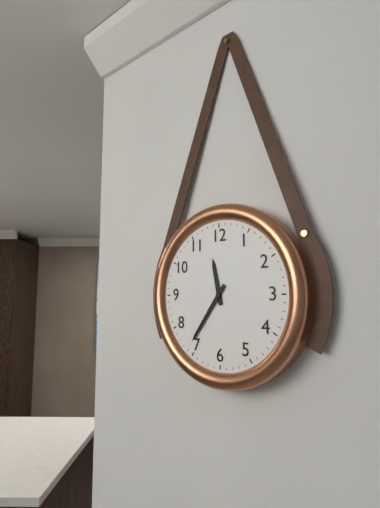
11:36
